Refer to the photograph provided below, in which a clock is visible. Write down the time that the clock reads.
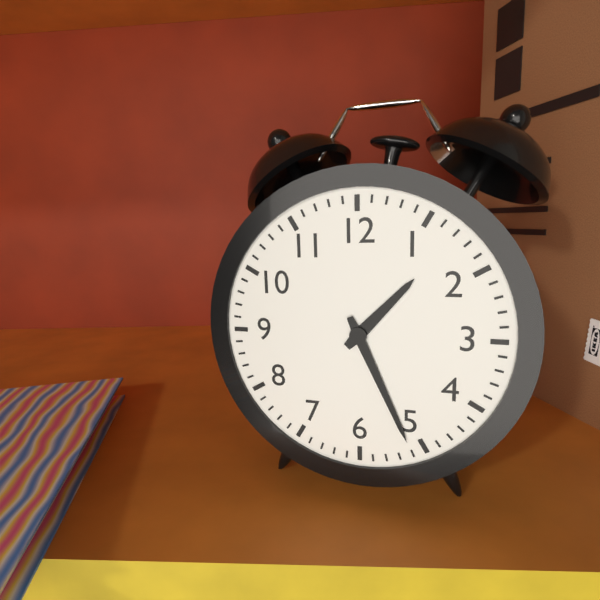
1:26
